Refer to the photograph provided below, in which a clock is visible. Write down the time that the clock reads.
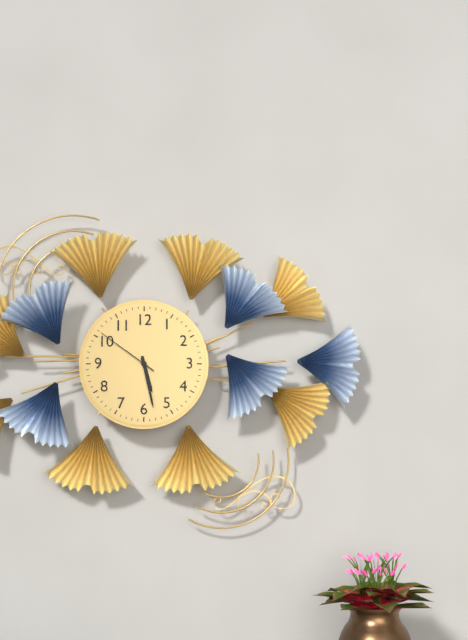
5:28:51
